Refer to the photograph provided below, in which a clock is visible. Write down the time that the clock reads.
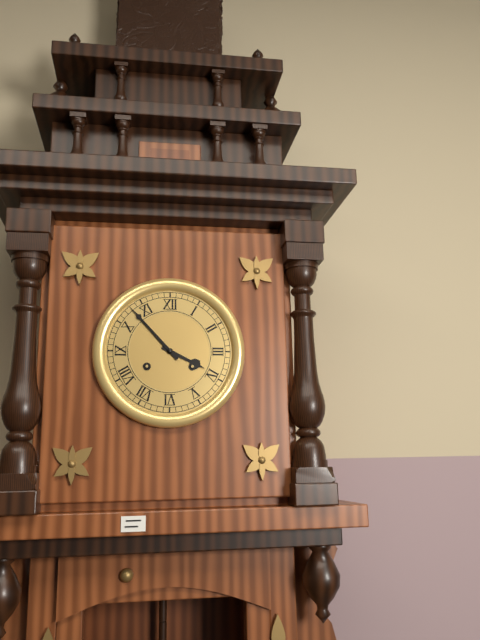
3:53
